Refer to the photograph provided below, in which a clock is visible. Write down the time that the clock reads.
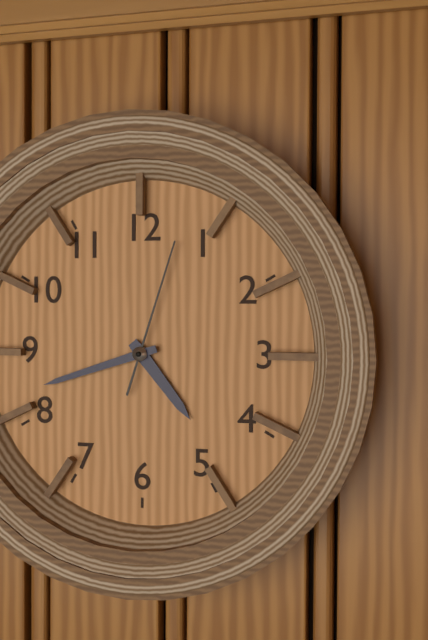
4:42:03
